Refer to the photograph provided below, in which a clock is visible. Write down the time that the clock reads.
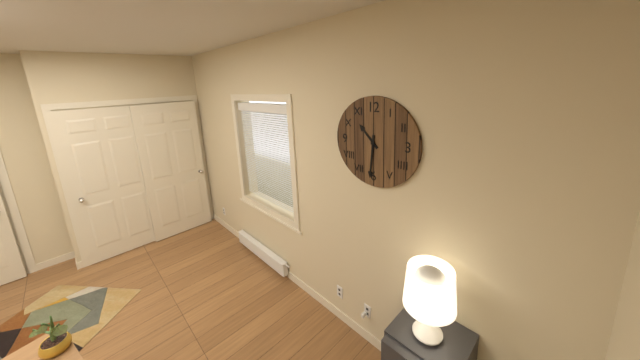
10:31
